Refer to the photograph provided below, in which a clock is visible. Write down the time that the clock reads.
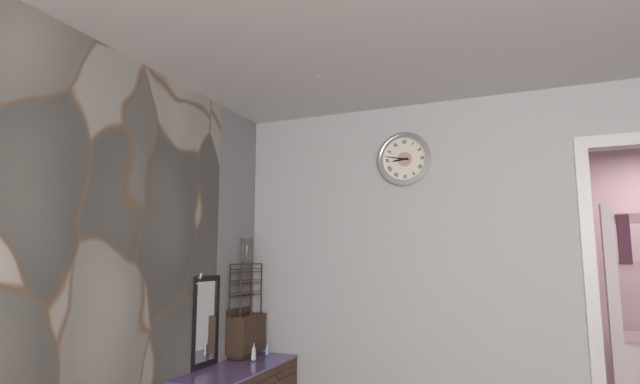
8:47
